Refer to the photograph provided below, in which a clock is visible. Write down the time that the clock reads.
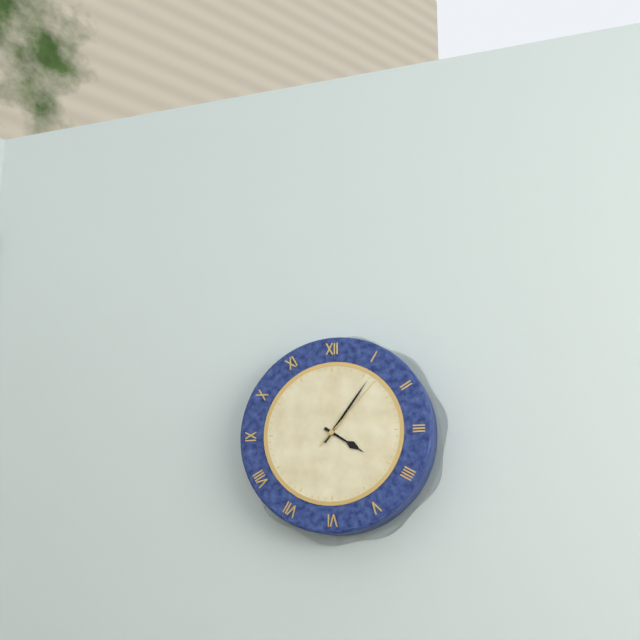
4:06:07
